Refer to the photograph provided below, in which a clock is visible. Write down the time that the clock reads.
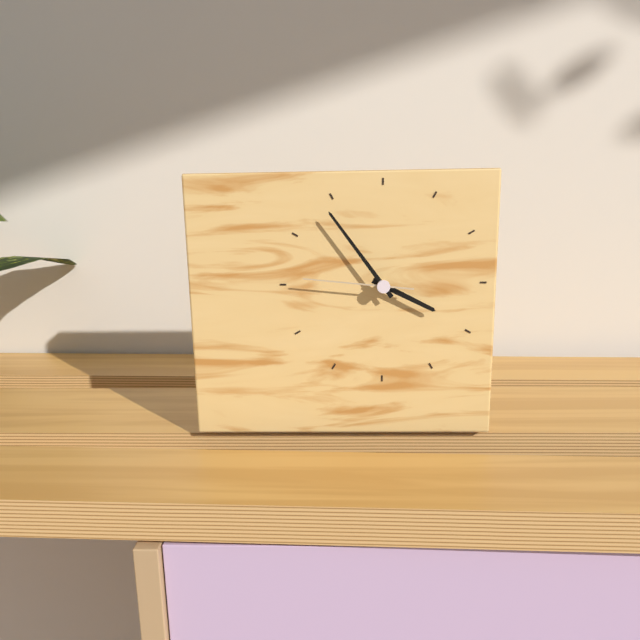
3:54:46
